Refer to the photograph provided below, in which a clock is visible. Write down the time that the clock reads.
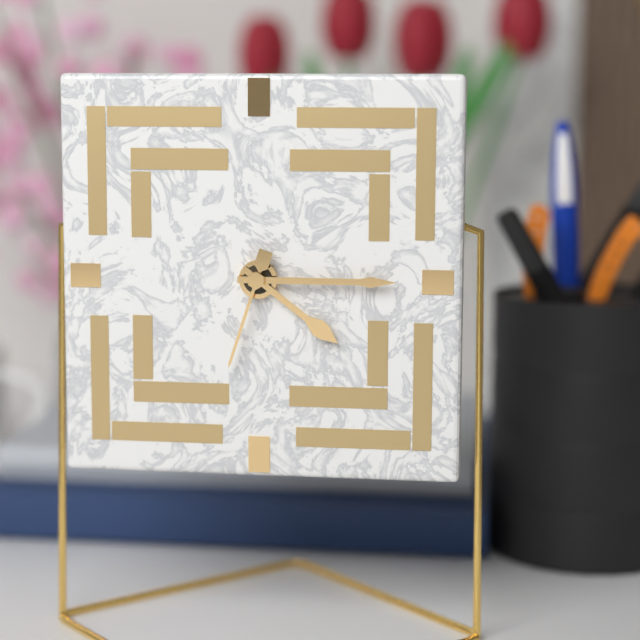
4:15:33
